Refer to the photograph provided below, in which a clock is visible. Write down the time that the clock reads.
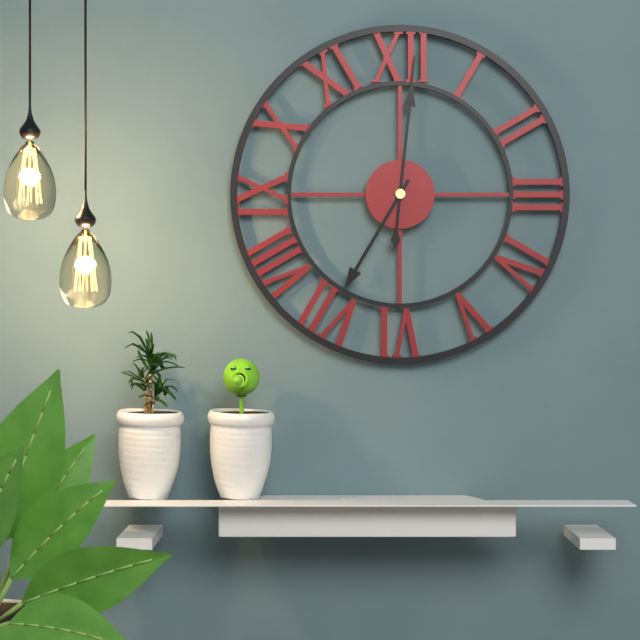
7:01
